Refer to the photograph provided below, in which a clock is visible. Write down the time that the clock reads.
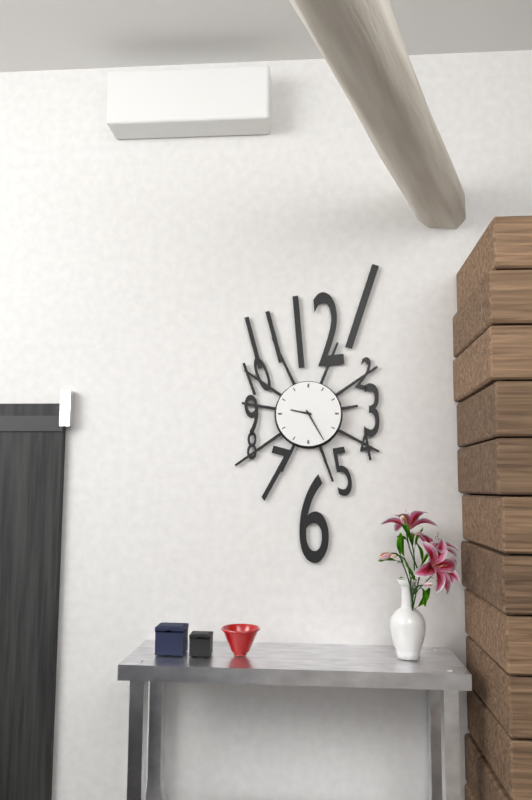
9:25
